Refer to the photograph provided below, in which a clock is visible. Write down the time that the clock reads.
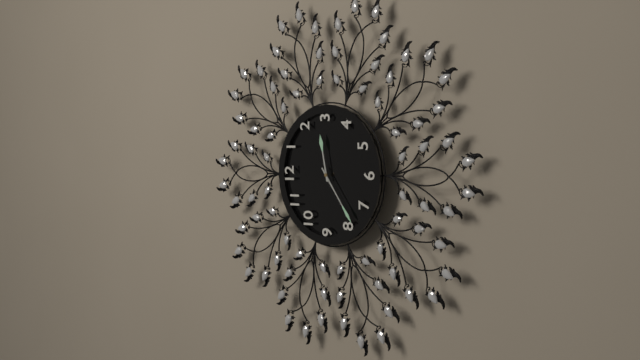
2:39
